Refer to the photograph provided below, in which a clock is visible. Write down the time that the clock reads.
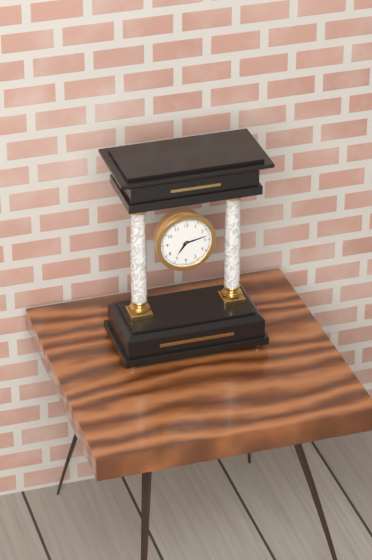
7:13
